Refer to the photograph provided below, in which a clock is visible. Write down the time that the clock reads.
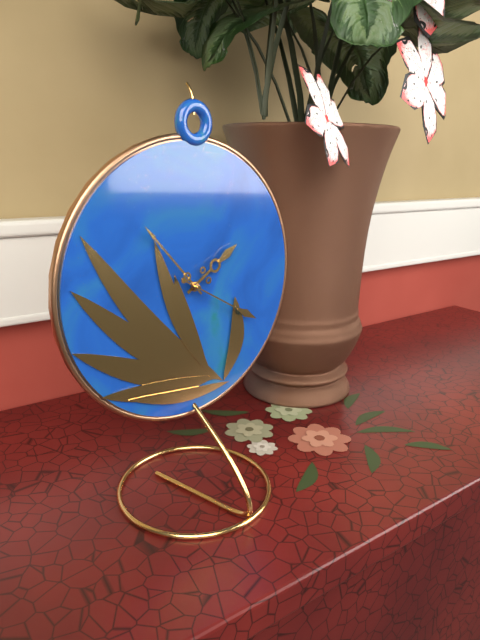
1:53:20
